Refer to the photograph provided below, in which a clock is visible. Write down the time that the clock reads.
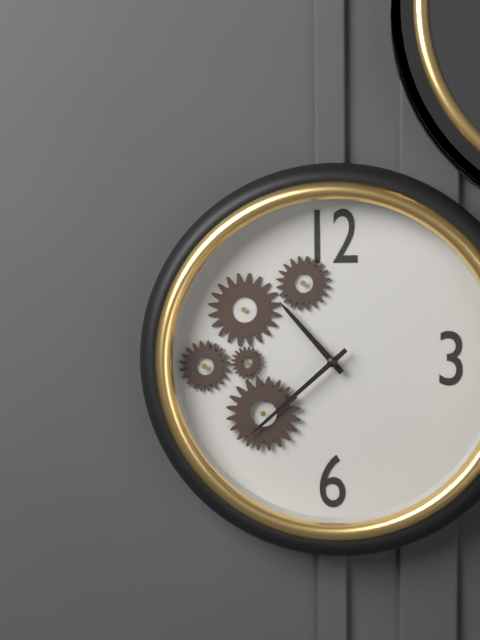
10:38
